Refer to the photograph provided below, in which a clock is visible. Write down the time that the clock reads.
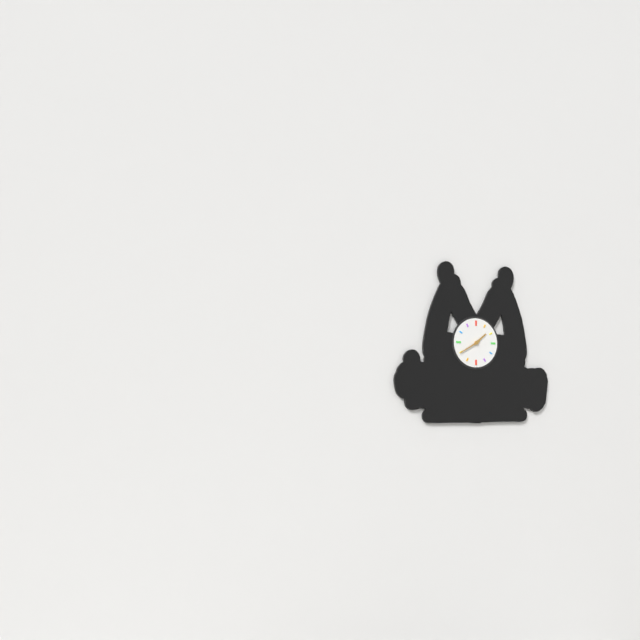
1:40
